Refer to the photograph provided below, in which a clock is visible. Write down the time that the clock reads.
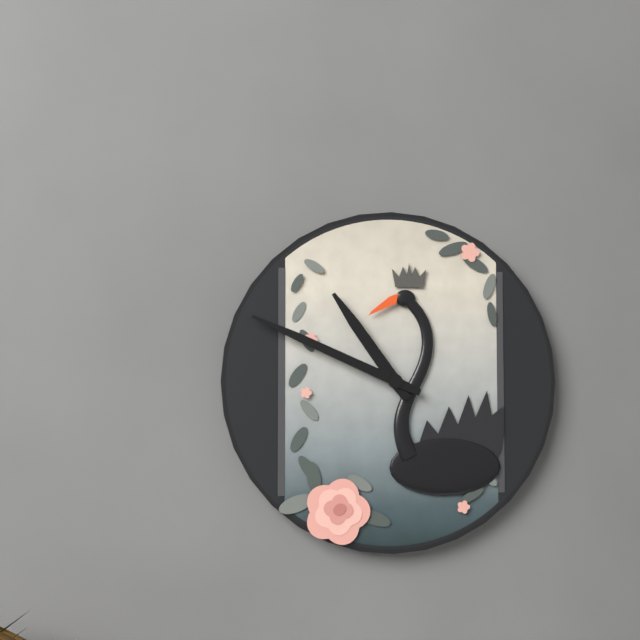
10:49
